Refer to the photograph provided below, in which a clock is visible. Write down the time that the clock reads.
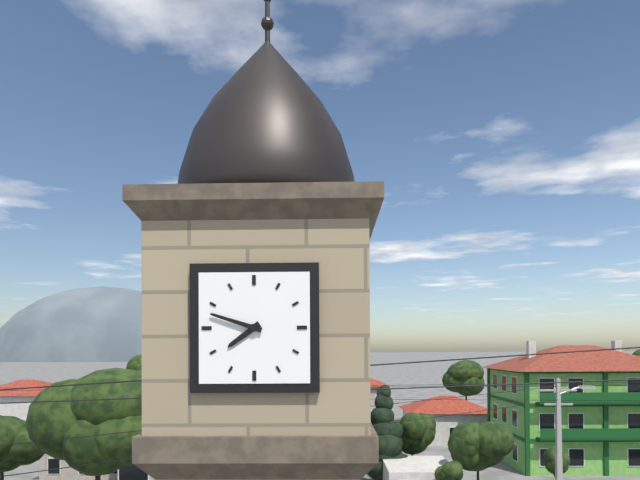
7:48
